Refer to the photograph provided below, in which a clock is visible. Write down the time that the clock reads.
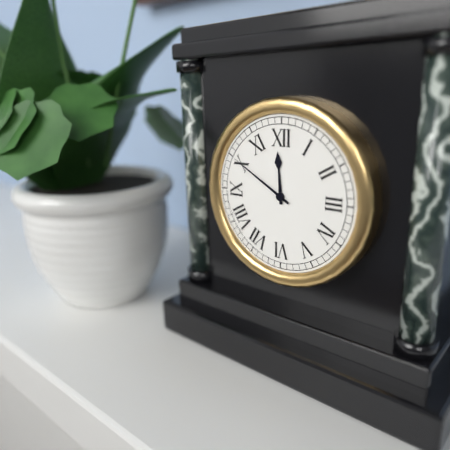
11:50
